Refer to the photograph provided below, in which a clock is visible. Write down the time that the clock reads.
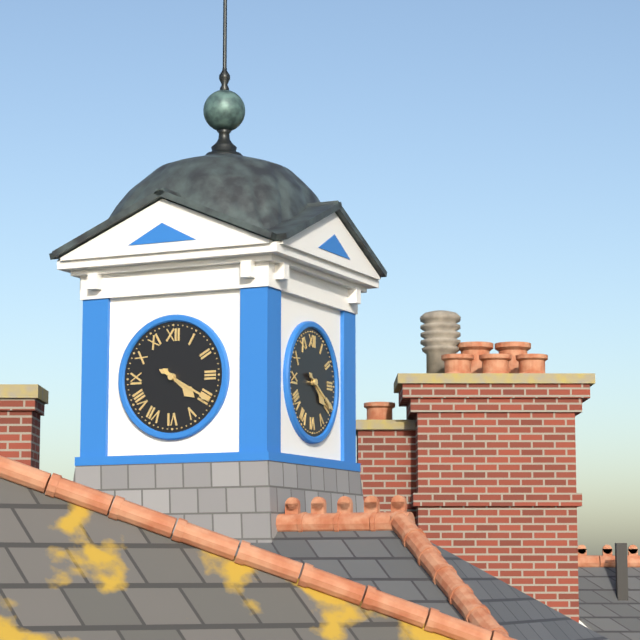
4:20
